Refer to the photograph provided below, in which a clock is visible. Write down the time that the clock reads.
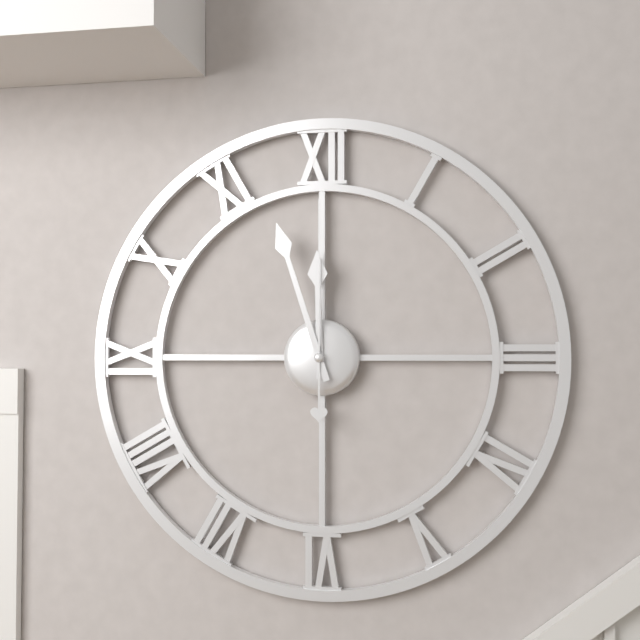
11:57:00
